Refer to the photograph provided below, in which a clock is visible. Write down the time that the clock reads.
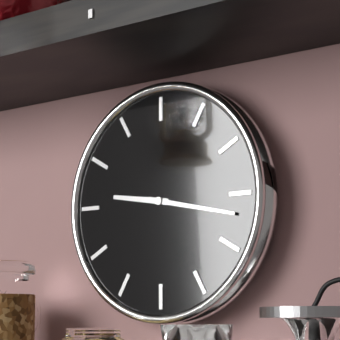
9:17
